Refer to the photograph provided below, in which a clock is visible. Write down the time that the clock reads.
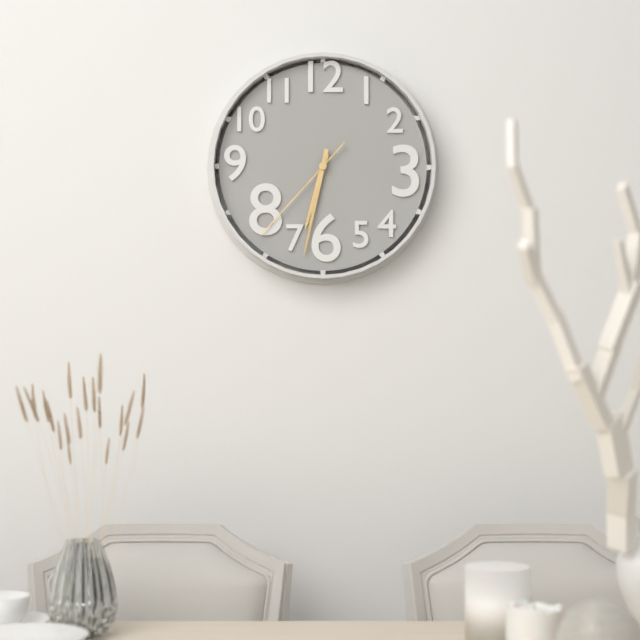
6:32:37
